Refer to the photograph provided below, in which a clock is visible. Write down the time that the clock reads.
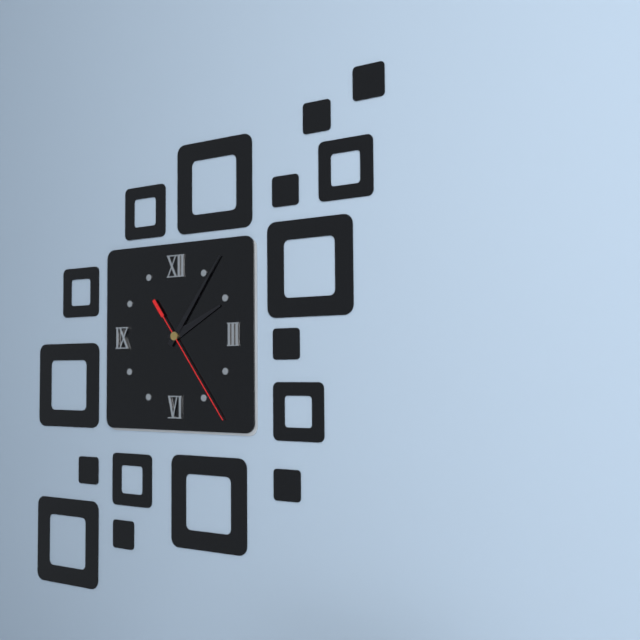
2:06:24
